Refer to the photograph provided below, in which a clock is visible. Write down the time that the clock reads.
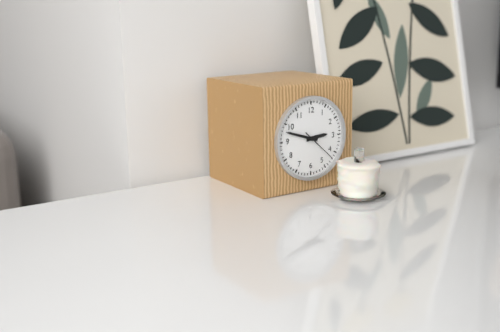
2:48
